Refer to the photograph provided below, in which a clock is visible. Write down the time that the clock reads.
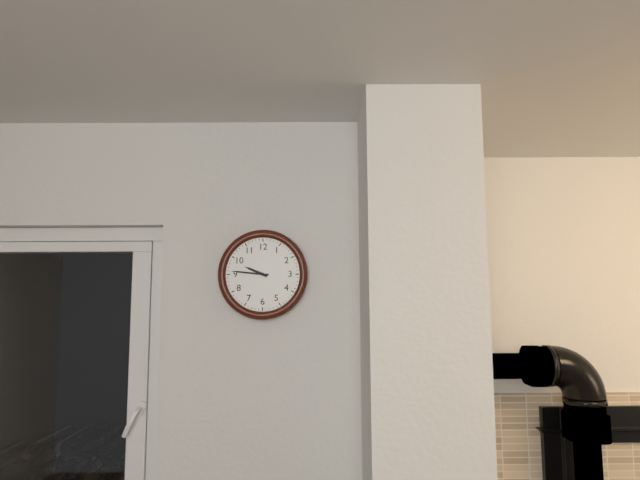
9:46
